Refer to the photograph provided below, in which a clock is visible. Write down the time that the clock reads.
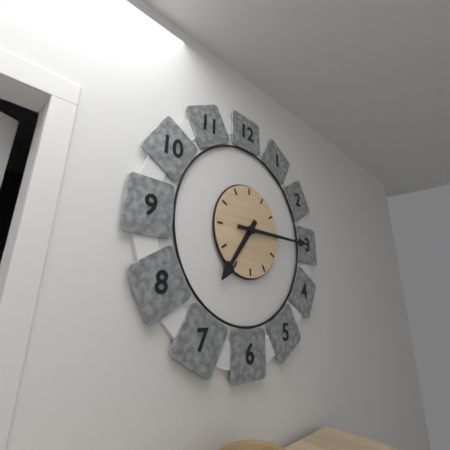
7:15
